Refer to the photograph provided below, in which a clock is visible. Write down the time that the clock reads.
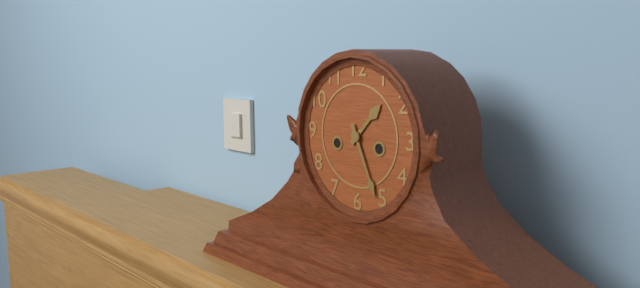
1:26
